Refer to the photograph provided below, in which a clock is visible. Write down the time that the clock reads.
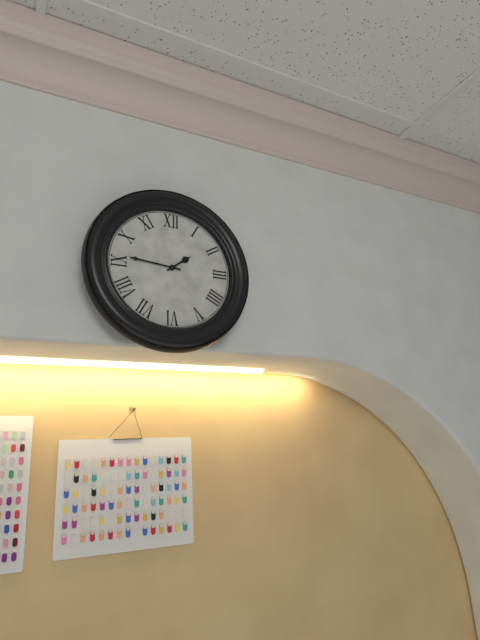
1:46
